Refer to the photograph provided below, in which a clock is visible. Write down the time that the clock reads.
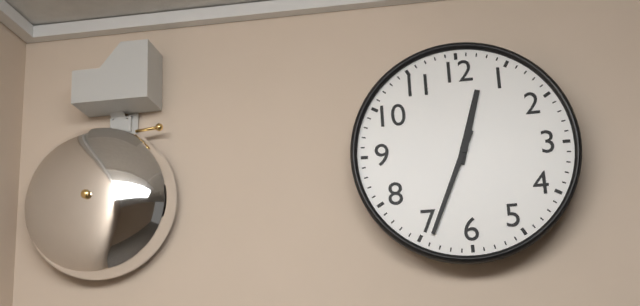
12:34
